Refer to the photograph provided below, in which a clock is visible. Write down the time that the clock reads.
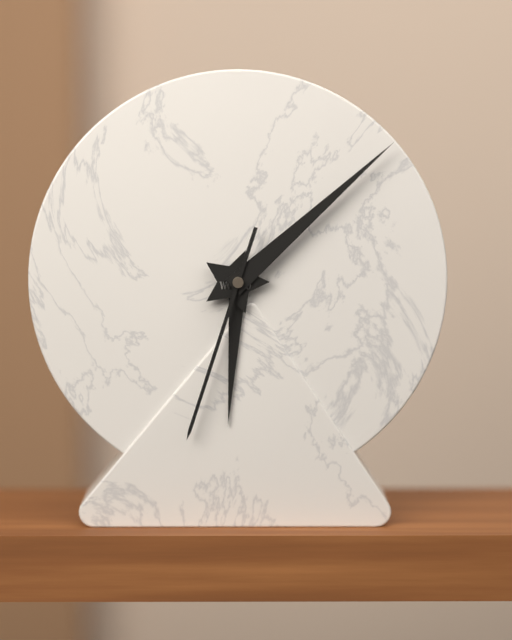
6:08:33
